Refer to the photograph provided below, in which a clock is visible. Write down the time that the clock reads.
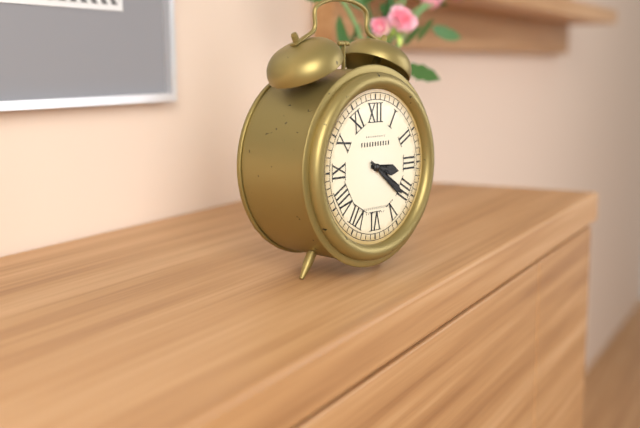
3:21
